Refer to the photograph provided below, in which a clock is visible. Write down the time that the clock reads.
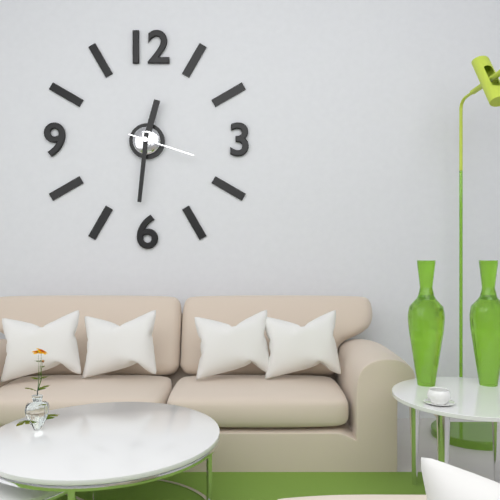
12:31:18
